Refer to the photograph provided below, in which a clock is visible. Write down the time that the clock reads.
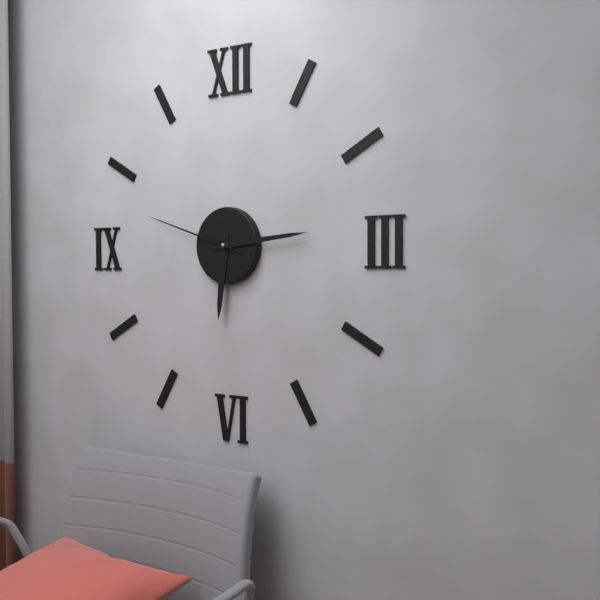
6:14:48
